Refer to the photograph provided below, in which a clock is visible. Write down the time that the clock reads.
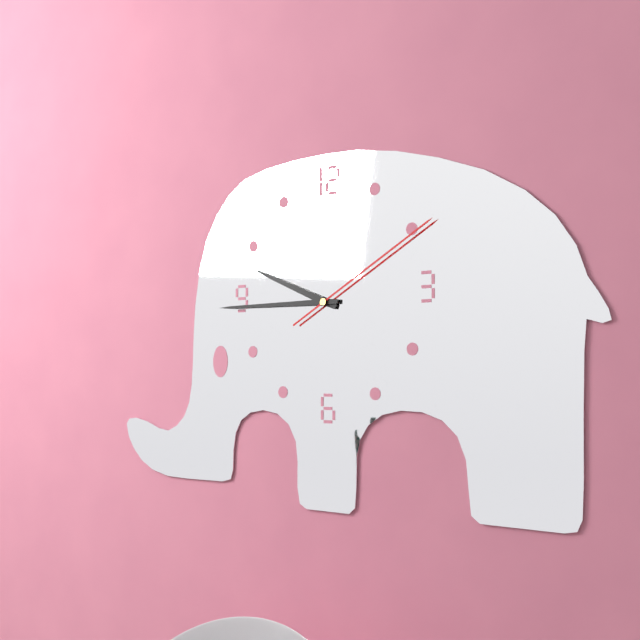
9:45:10
